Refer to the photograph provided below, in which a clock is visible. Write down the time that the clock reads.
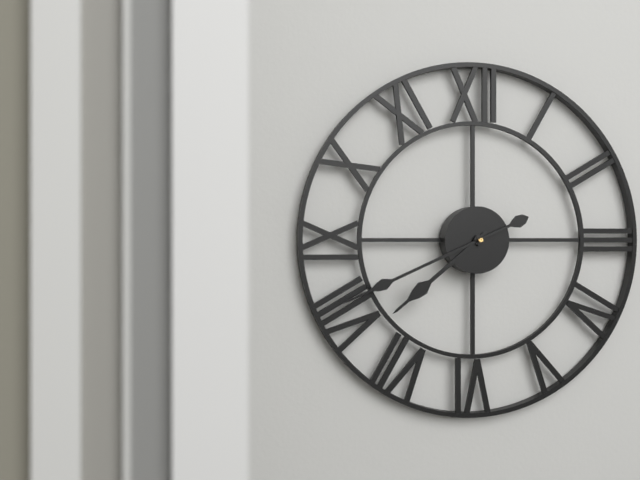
7:41
